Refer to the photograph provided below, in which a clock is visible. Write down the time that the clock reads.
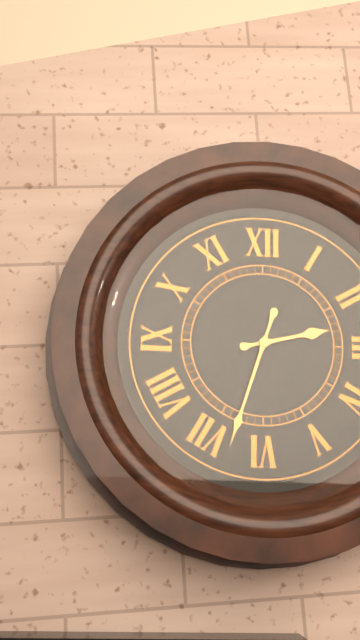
2:33
